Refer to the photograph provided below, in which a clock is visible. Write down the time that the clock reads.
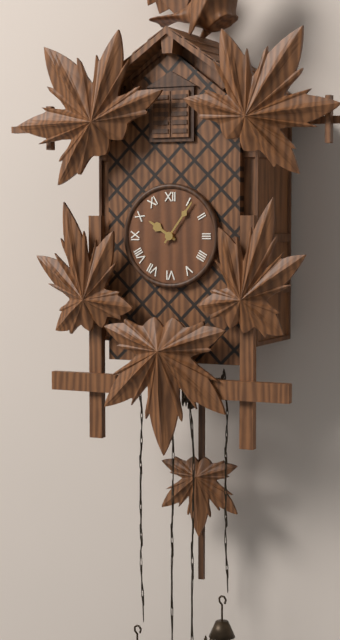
10:06
